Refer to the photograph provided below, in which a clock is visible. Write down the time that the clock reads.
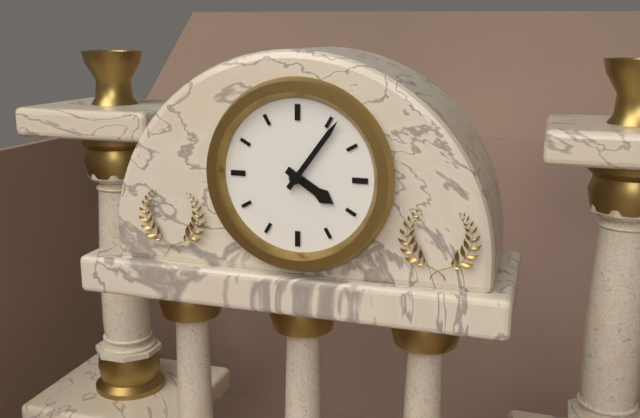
4:06
